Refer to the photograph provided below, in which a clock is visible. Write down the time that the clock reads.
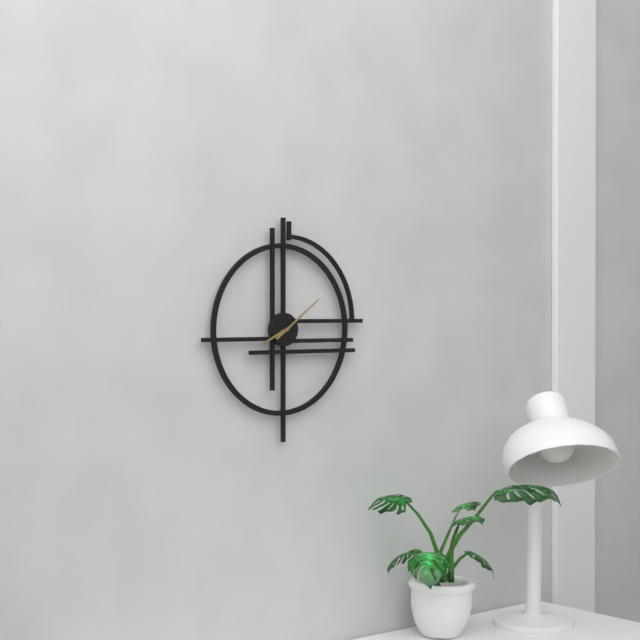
8:09
